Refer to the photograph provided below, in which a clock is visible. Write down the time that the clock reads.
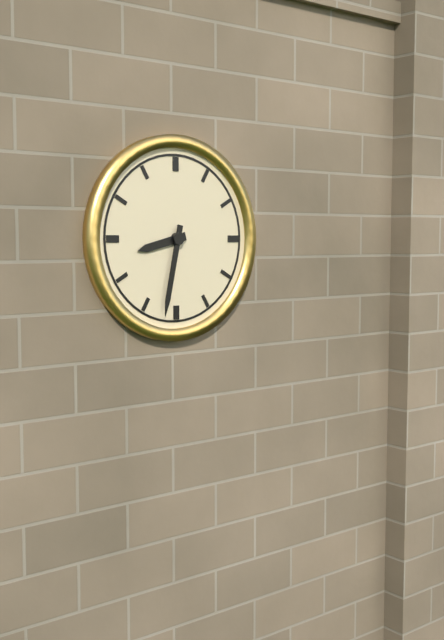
8:32
